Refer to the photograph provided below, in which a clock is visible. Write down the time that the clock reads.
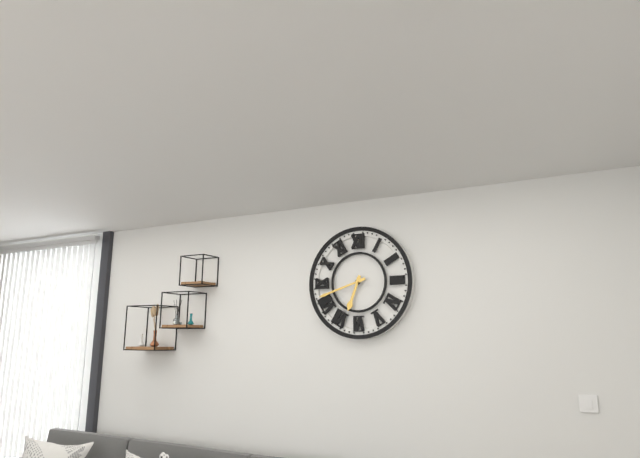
6:42
